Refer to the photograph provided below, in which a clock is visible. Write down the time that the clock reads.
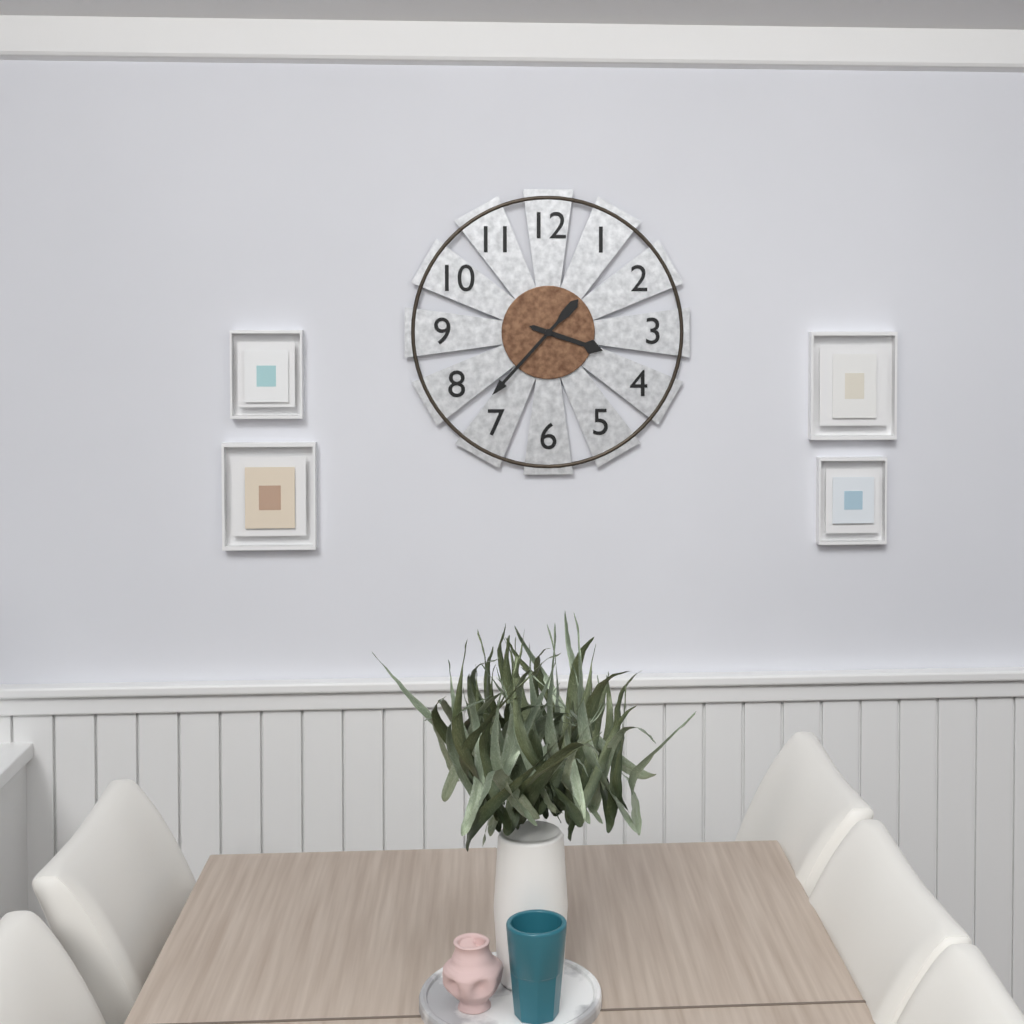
3:37
